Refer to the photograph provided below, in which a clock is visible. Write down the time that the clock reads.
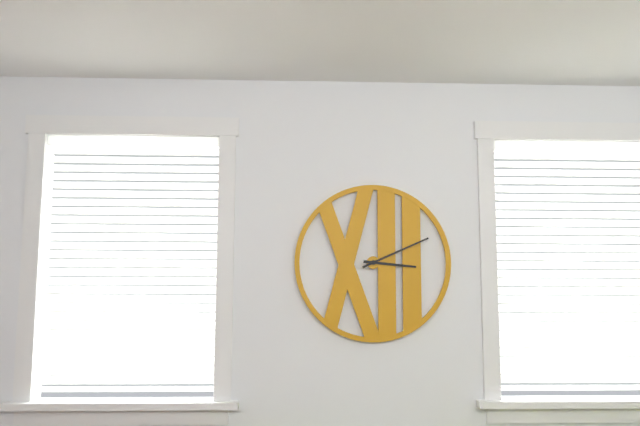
3:11
